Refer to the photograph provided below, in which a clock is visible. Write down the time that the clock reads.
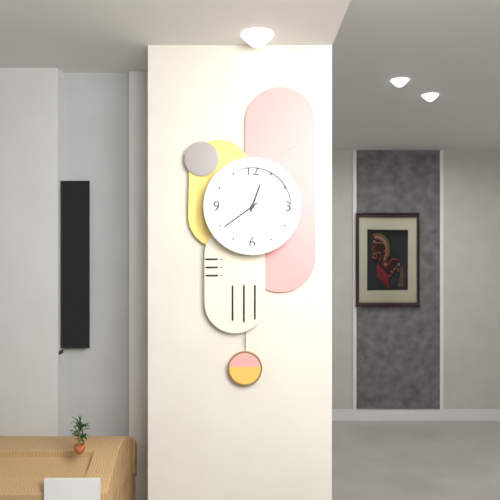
12:39
